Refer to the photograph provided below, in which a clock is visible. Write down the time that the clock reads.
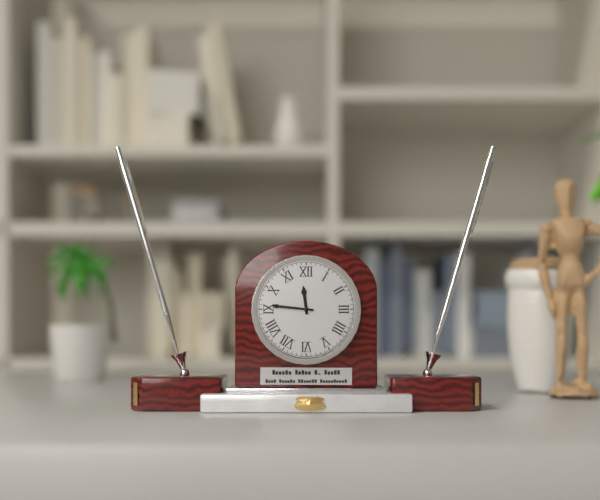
11:46
